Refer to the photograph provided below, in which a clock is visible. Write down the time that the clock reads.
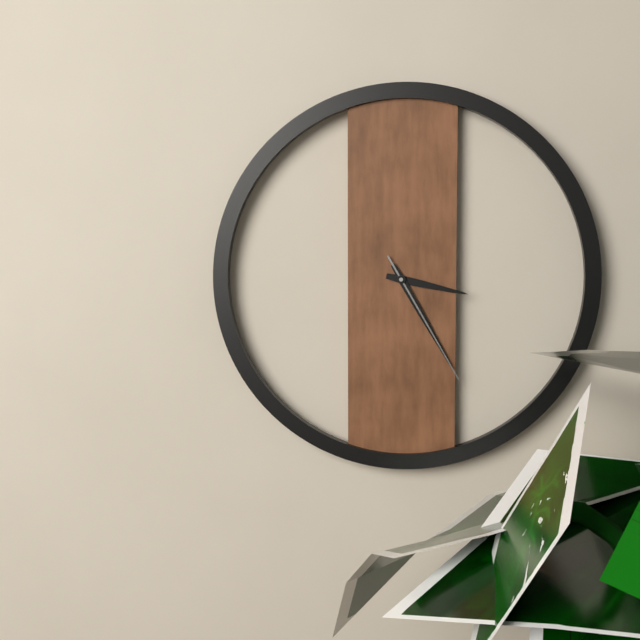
3:25:25
